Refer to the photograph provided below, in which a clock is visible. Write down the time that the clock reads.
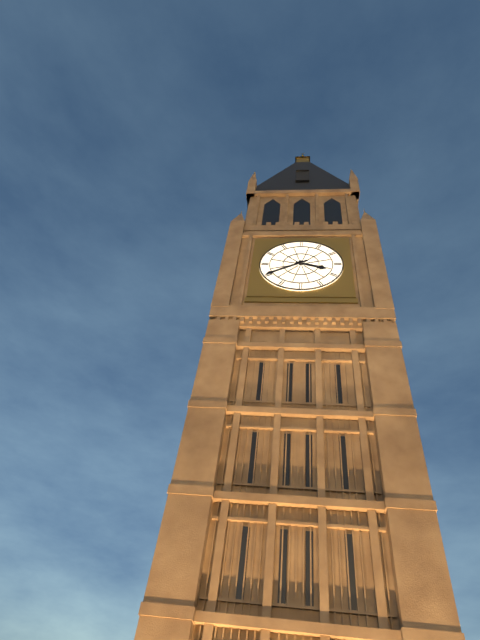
3:40
